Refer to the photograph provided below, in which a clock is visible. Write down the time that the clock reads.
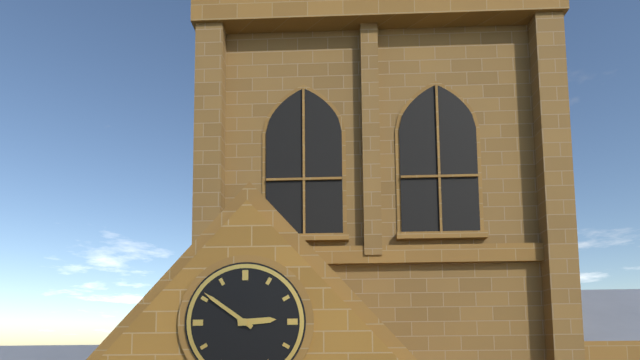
2:51
